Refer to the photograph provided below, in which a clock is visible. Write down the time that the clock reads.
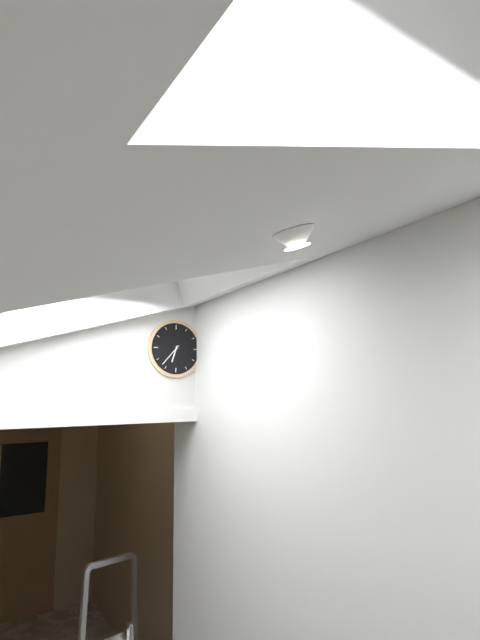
6:37
